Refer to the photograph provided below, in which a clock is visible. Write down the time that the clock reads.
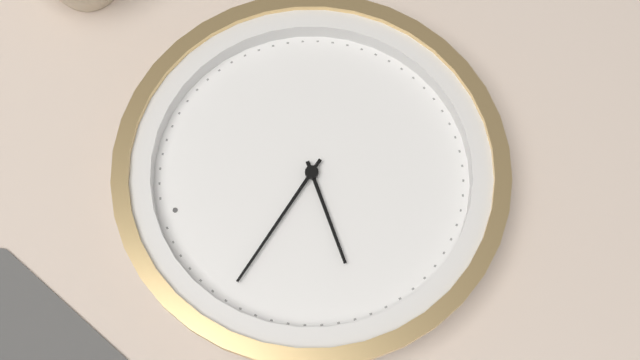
8:53
